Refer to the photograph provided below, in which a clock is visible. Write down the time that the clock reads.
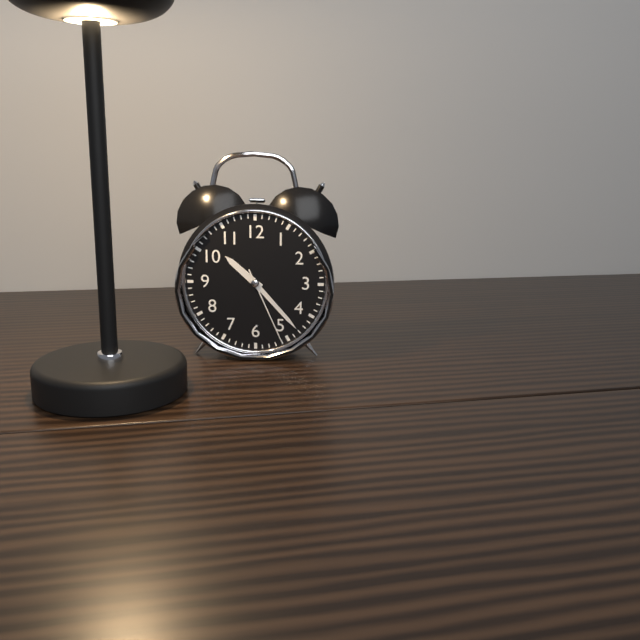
10:23:26
